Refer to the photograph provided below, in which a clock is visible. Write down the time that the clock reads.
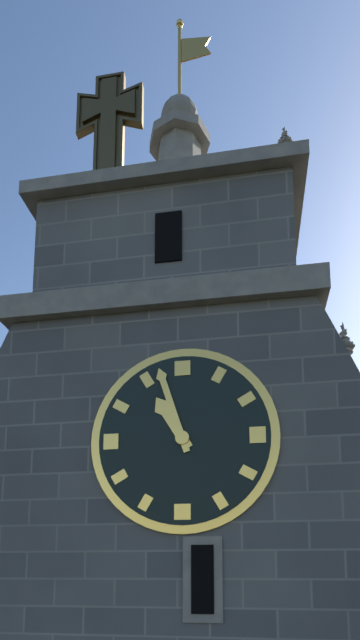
10:57
